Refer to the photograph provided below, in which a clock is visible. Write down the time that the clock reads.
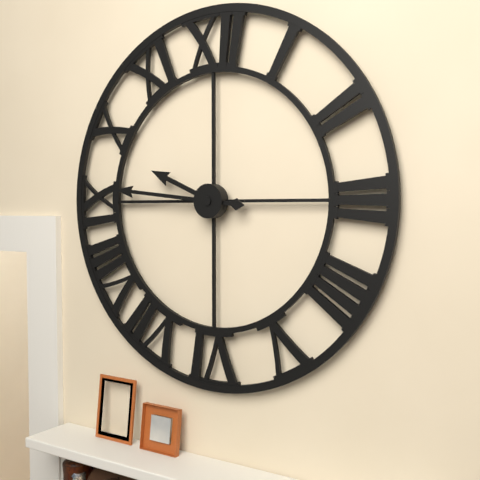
9:46
